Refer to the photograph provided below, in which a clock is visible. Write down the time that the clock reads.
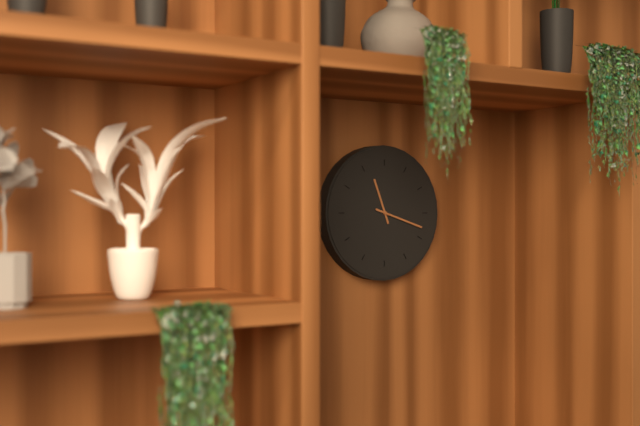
11:18
